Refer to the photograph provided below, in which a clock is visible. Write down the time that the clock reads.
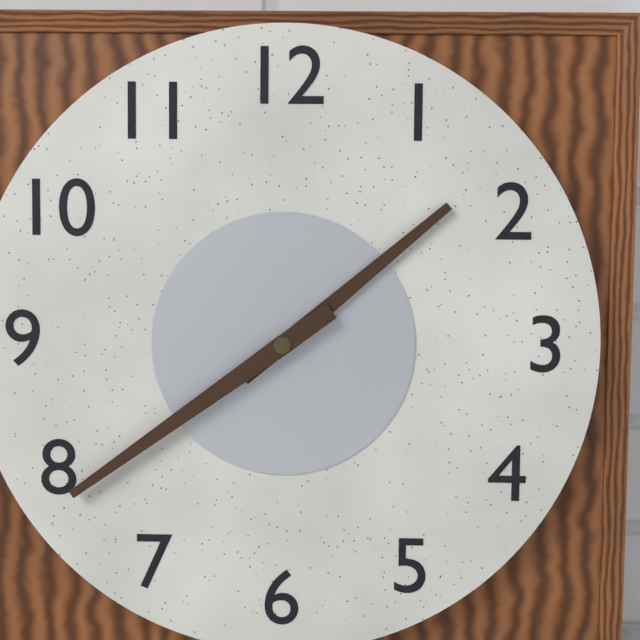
1:39
